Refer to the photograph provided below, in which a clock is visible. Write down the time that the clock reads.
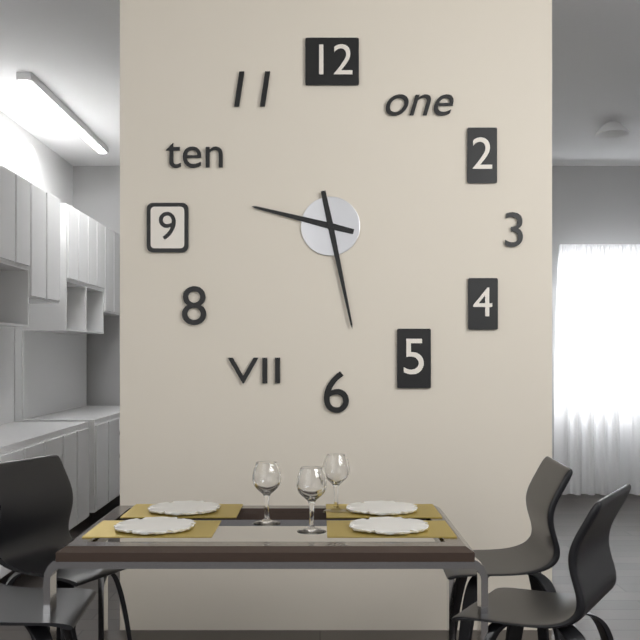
9:28
